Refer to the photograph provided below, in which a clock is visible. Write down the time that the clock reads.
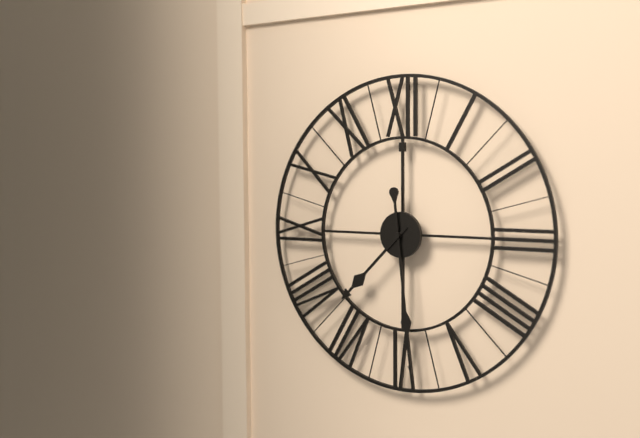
7:29
